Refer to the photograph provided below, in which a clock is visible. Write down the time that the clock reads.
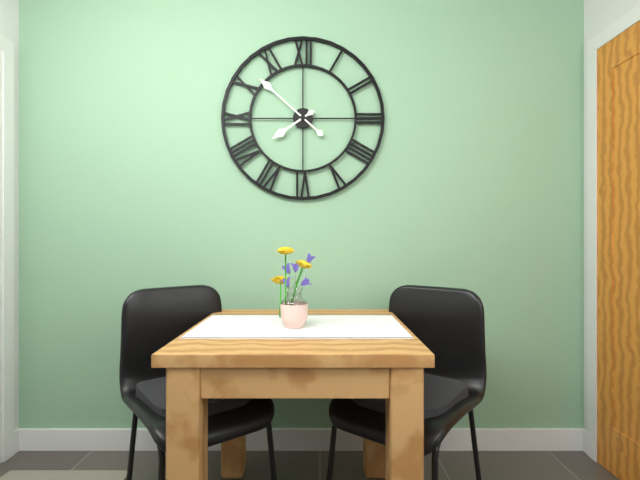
7:52
